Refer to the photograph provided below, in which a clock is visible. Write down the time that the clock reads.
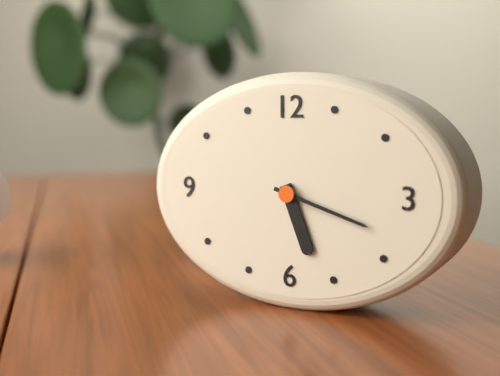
5:18
